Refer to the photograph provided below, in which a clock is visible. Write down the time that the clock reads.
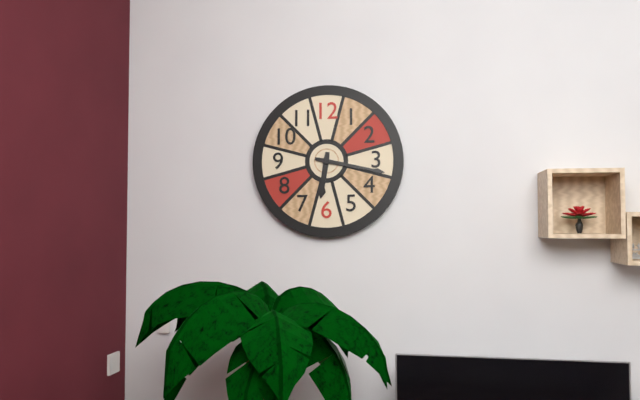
6:17
